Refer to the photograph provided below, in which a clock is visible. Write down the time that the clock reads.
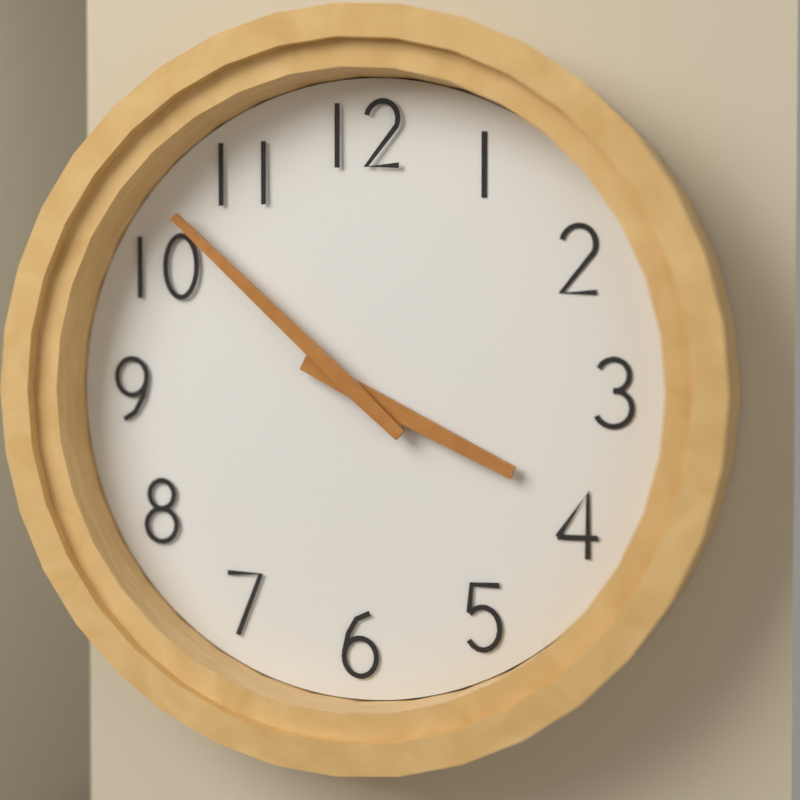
3:52
